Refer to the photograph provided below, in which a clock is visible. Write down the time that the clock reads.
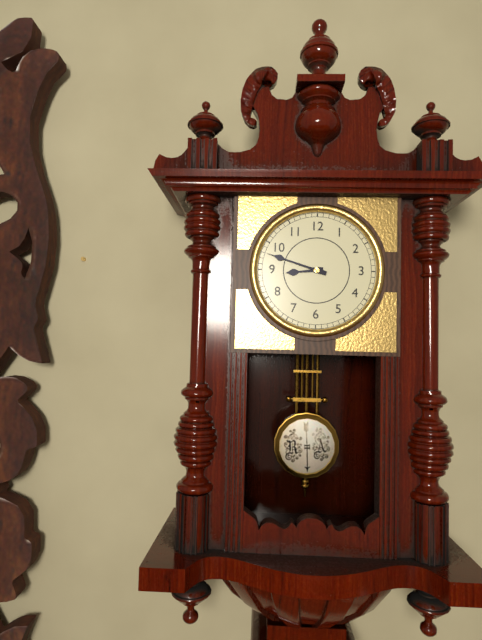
8:48
